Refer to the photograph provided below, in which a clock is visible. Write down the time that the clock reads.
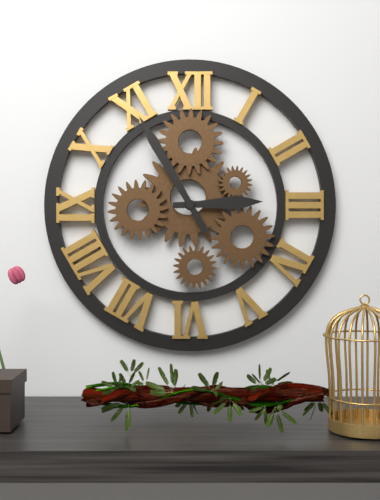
2:55
